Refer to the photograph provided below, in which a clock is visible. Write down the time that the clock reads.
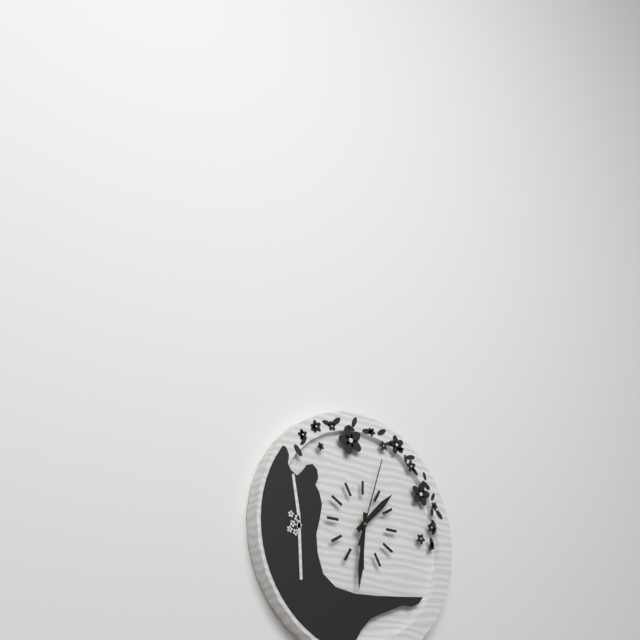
1:31:03
